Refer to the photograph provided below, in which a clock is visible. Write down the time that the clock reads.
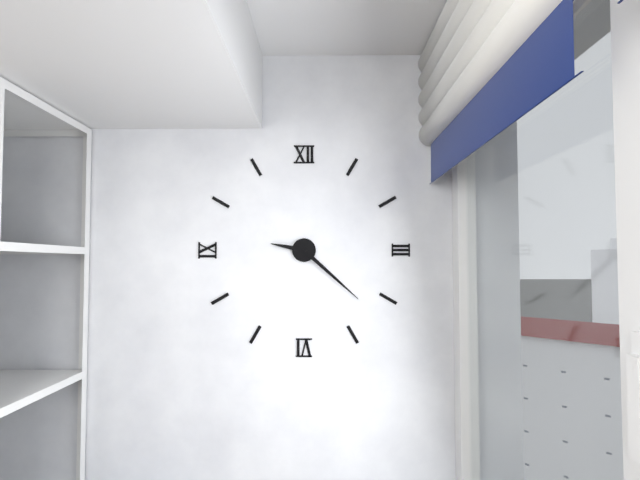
9:22
